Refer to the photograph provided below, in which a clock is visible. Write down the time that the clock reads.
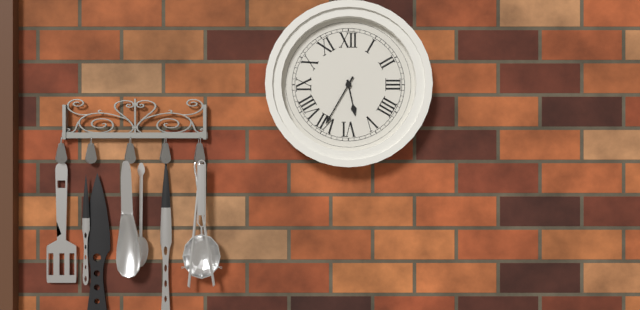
5:35
